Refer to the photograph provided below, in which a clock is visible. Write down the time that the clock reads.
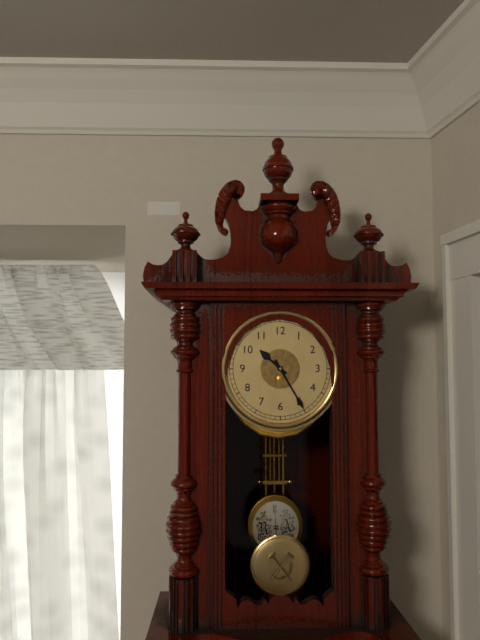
10:25
